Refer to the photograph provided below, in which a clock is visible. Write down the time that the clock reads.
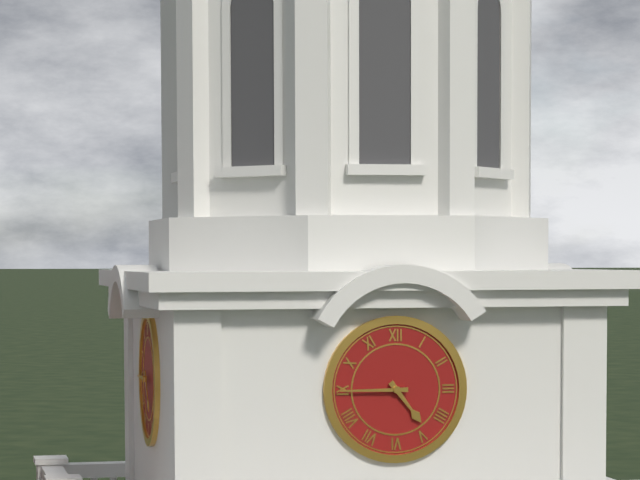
4:45
